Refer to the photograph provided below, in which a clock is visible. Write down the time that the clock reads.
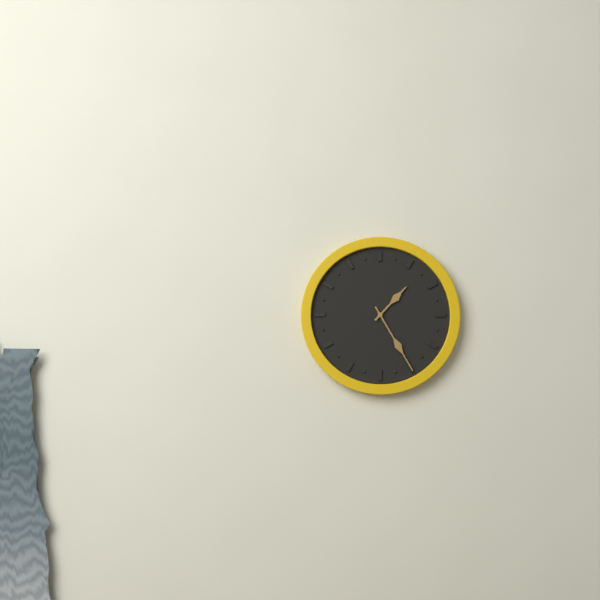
1:25
